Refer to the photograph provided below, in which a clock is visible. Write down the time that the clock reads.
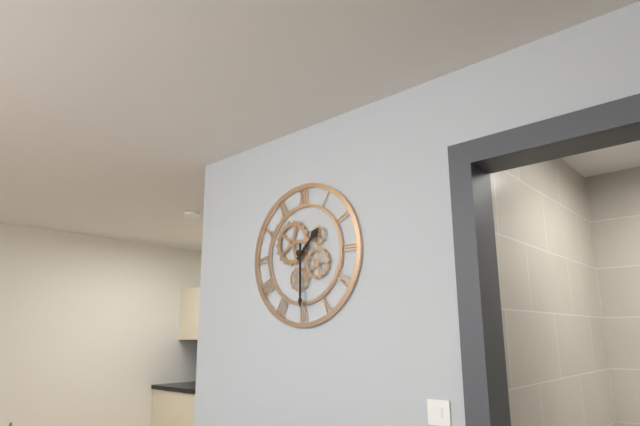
1:30
